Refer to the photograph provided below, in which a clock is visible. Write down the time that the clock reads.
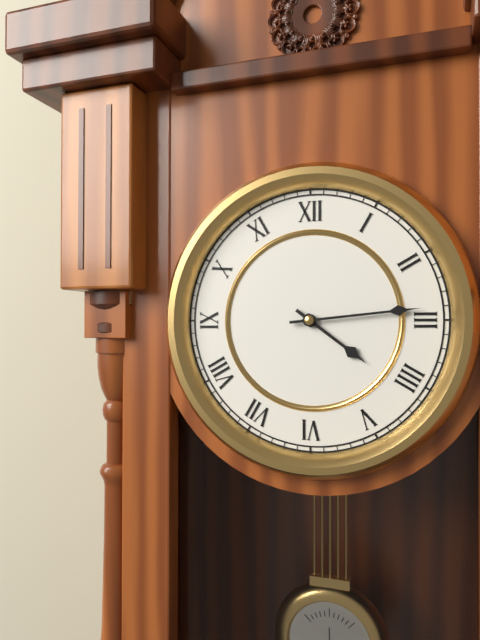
4:14
